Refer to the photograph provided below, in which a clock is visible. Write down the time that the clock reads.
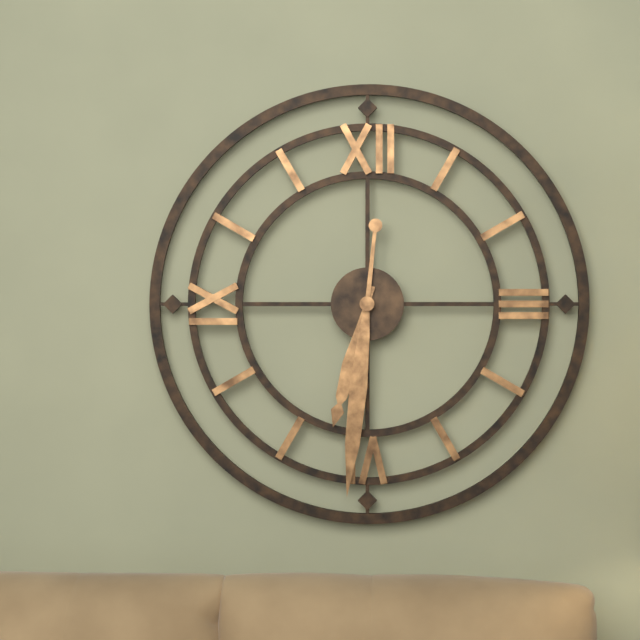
6:31
